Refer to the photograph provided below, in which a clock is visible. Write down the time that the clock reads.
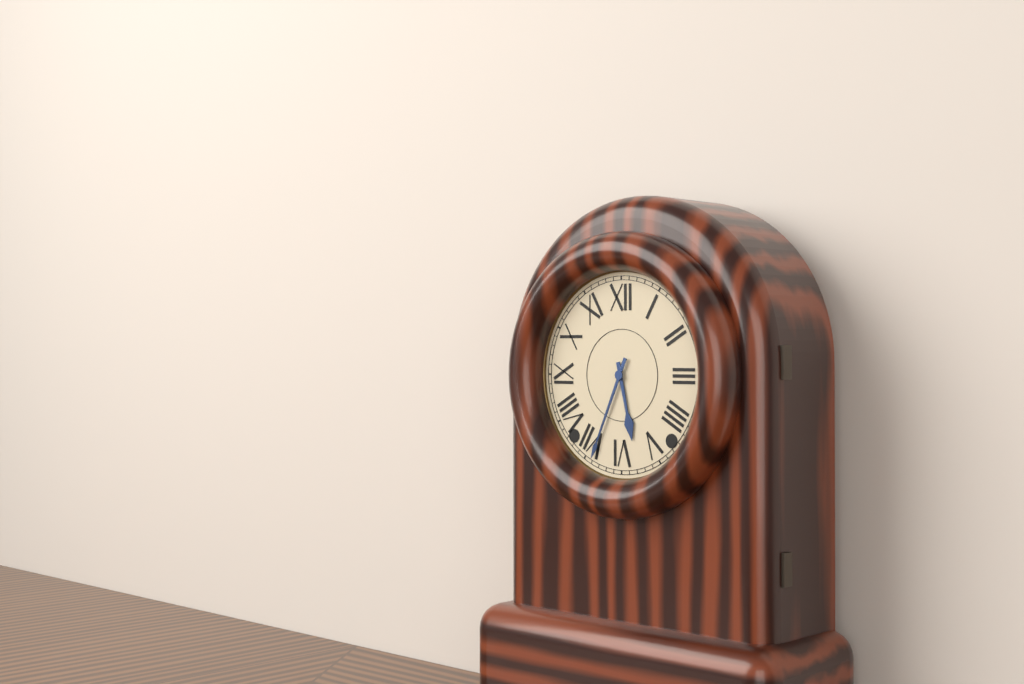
5:34
